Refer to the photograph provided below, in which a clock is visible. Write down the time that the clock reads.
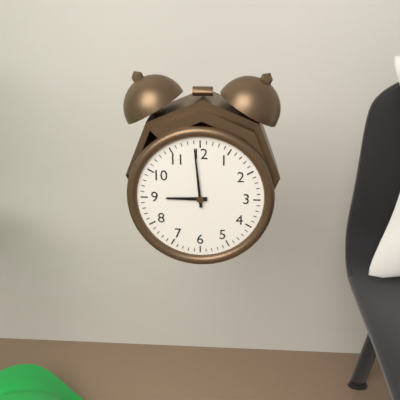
8:59
